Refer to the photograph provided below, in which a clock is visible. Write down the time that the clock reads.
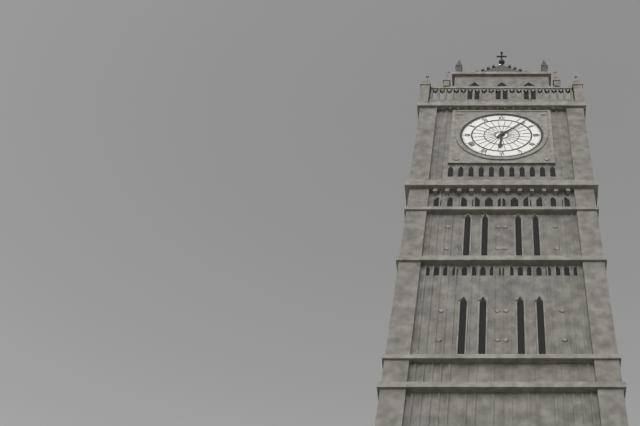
6:07
